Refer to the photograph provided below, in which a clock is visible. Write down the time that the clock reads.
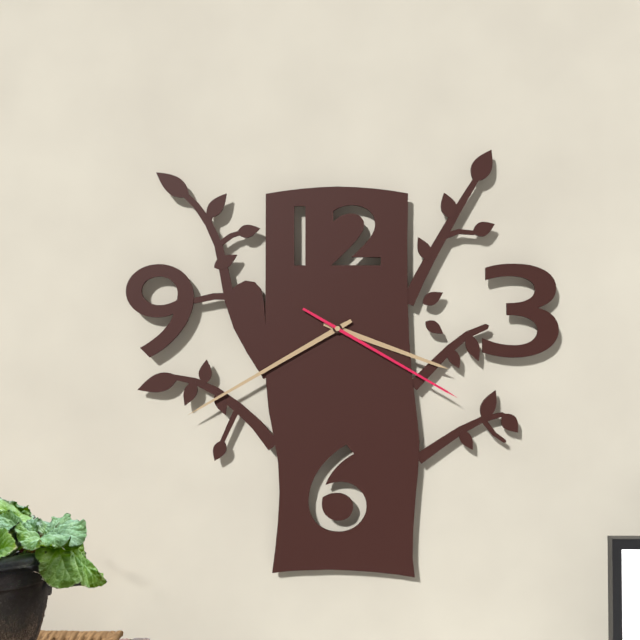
3:40:20
